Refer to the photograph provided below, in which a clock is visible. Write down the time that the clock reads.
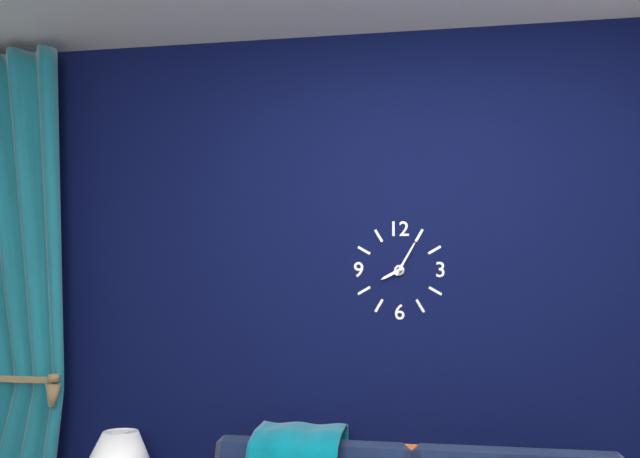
8:05
